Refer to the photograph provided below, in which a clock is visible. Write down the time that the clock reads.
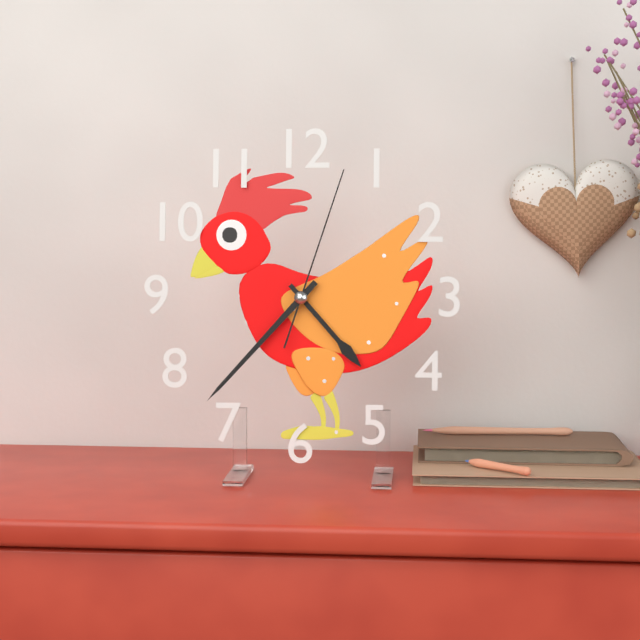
4:37:03
